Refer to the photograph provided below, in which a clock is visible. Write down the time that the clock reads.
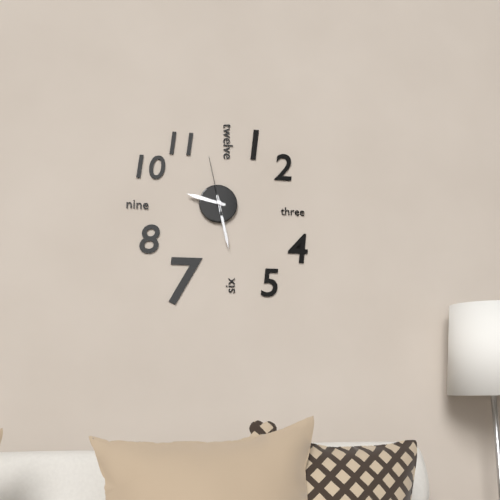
9:28:58
